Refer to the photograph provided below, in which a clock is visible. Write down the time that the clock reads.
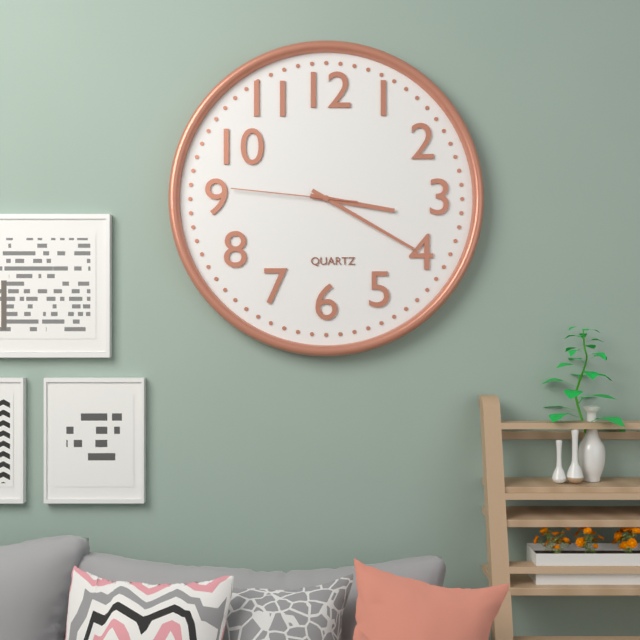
3:20:46
